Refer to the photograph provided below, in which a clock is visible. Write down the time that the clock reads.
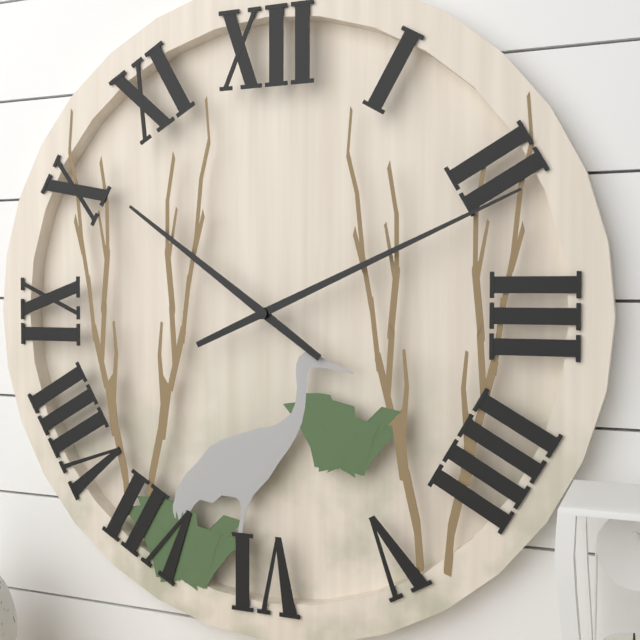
10:11
